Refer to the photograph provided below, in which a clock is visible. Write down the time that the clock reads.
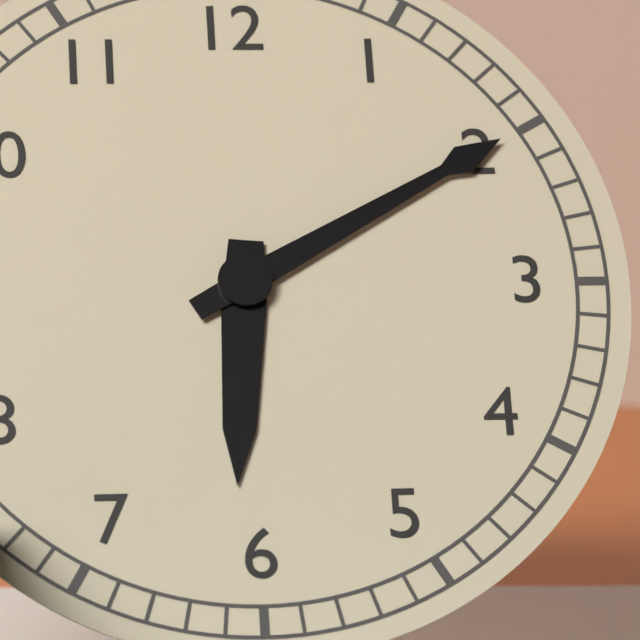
6:10
